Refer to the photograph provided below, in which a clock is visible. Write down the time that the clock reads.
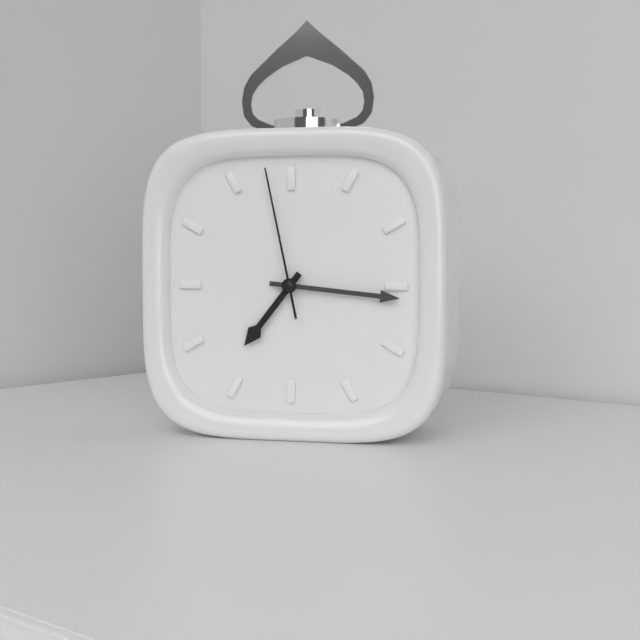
7:16:58
